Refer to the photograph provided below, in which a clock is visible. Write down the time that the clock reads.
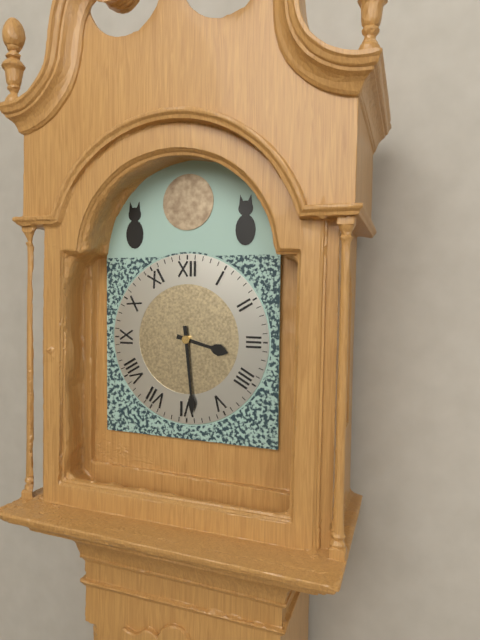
3:29
